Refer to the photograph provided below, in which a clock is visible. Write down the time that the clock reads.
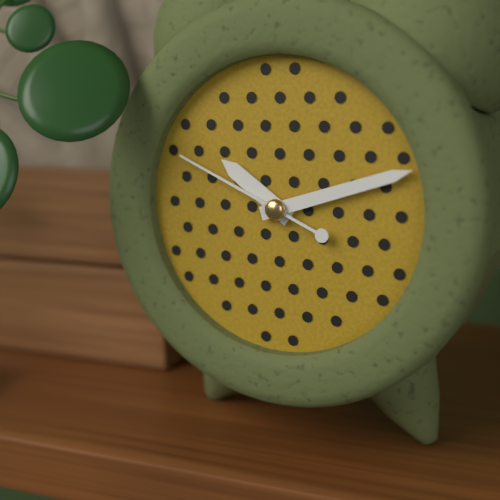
10:12:49
